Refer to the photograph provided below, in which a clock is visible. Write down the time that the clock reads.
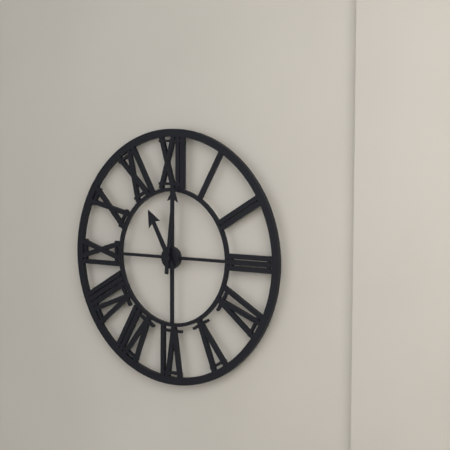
11:01
